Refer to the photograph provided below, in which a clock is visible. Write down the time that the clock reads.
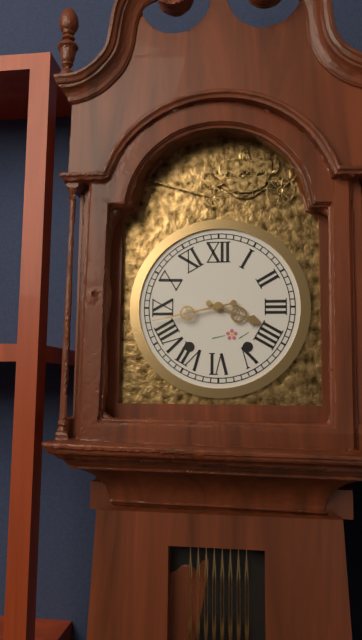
3:43
